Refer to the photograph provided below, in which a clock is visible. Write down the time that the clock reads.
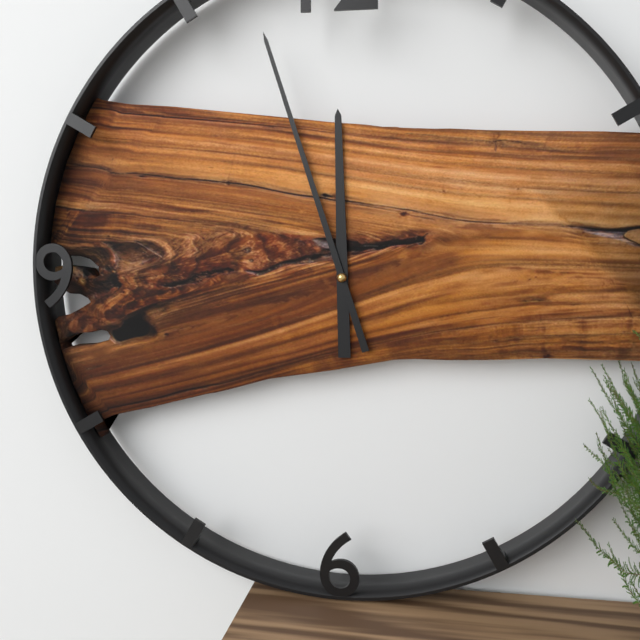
11:57
